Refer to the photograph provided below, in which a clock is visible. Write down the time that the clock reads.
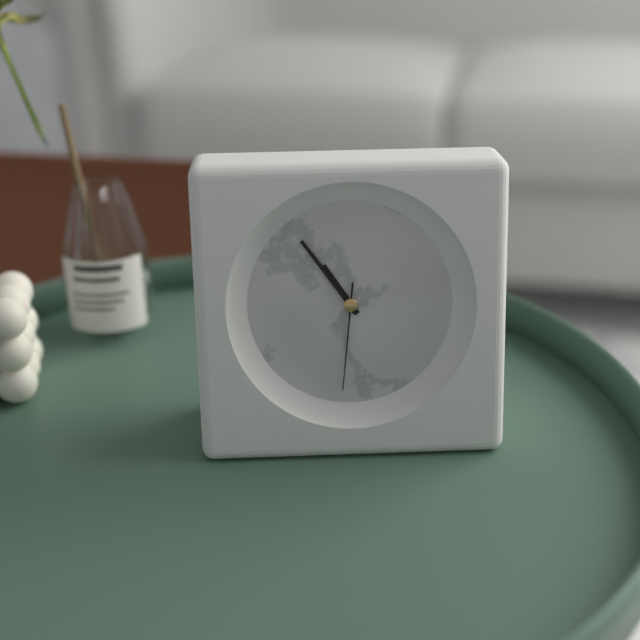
10:54:31
